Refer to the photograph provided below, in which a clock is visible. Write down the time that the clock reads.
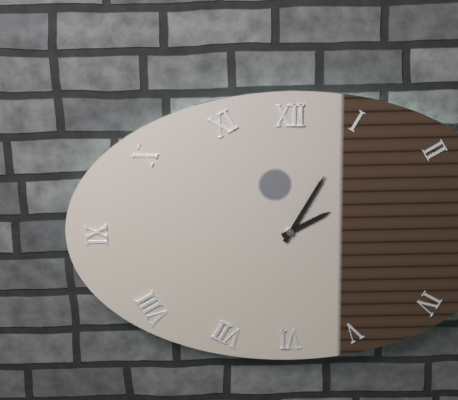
2:05
